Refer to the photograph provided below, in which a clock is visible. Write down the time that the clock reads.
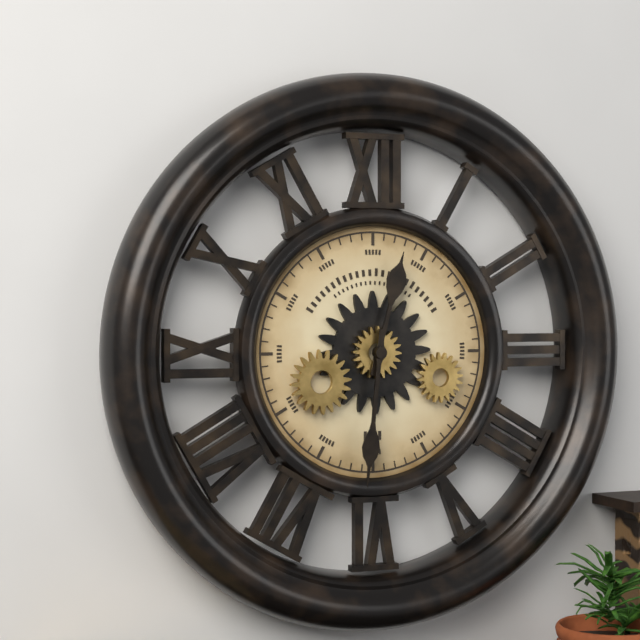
12:31
